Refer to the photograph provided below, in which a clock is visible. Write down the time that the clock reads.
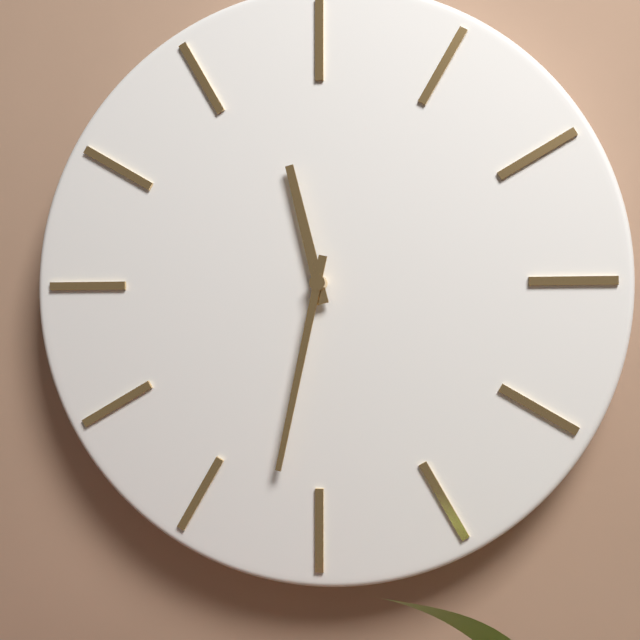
11:32
